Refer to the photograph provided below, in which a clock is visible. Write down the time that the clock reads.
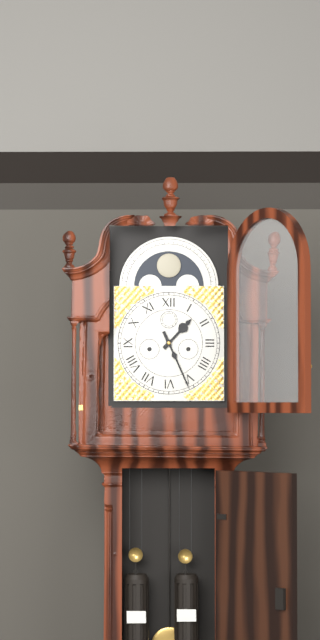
1:26
